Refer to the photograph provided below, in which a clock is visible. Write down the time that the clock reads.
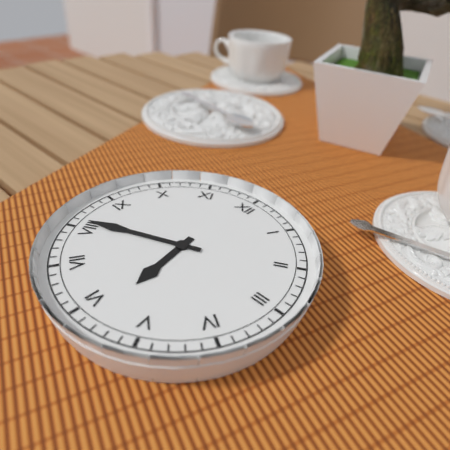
5:41
